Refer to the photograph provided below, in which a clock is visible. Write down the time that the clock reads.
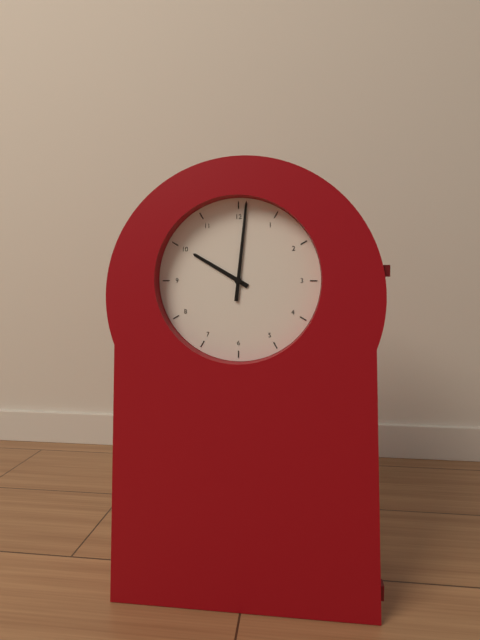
10:01
